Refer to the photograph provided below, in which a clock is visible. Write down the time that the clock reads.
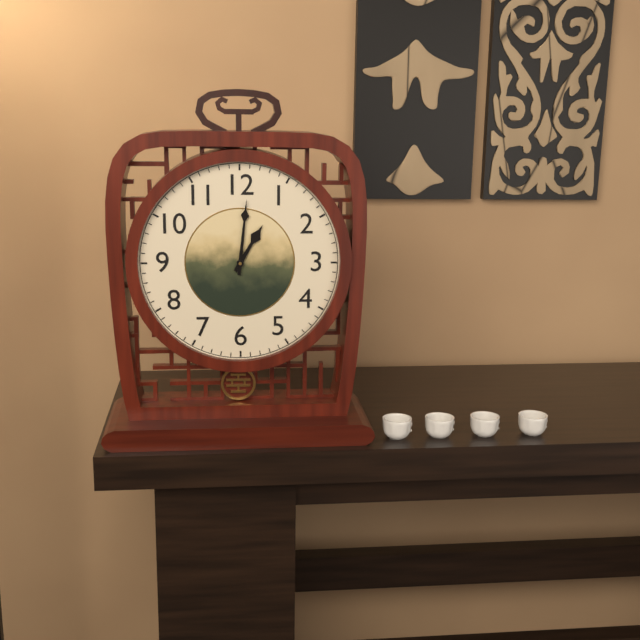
1:01
